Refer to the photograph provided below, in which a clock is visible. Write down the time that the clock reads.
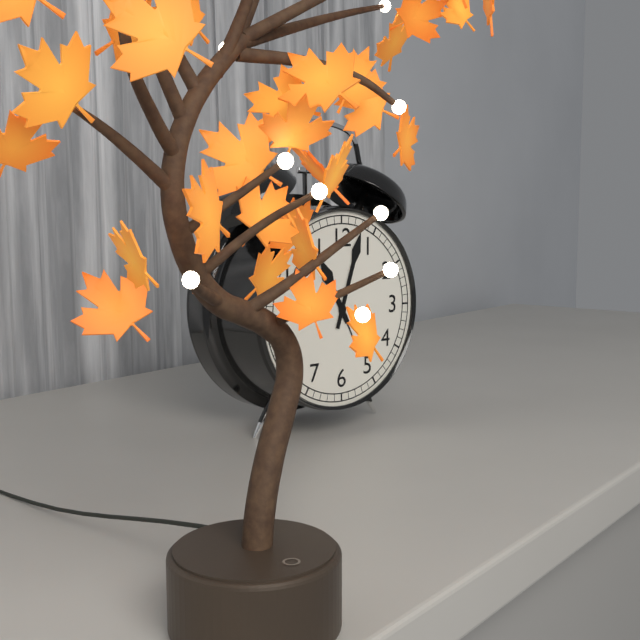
11:03
